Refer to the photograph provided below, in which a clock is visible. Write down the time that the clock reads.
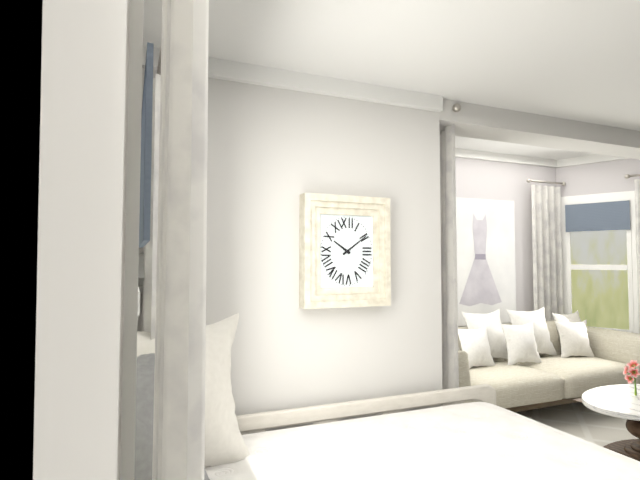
10:09
